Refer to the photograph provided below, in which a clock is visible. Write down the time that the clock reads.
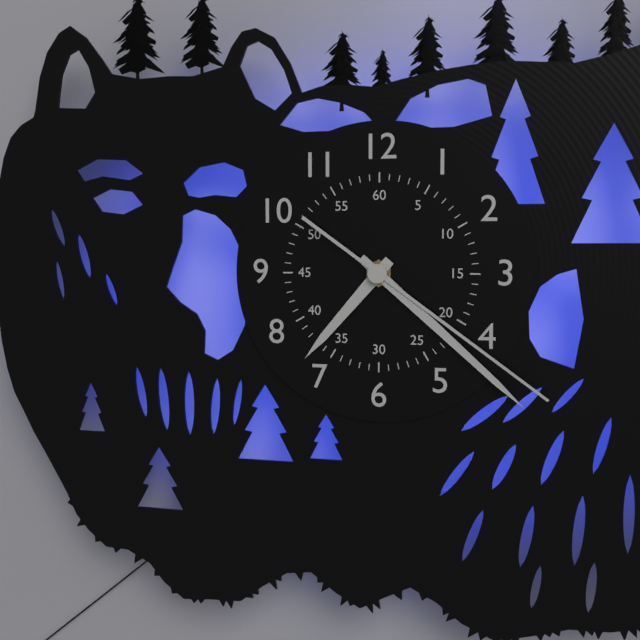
7:22:21
